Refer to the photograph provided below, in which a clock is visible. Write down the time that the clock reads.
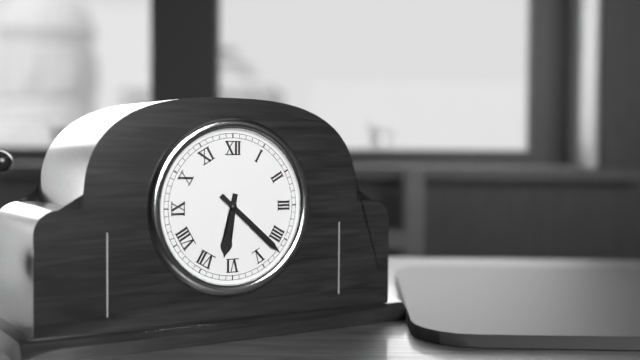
6:22
